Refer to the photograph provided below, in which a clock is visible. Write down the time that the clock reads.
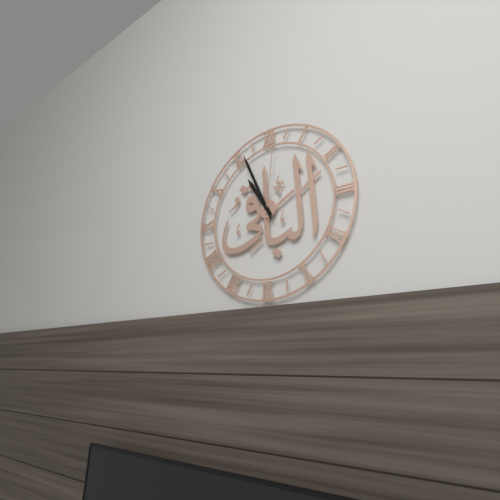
10:56:01
